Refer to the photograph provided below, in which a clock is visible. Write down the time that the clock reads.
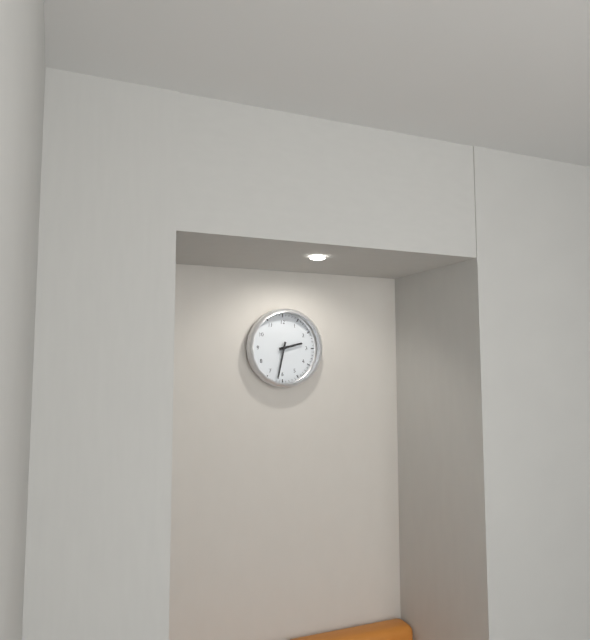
2:32
